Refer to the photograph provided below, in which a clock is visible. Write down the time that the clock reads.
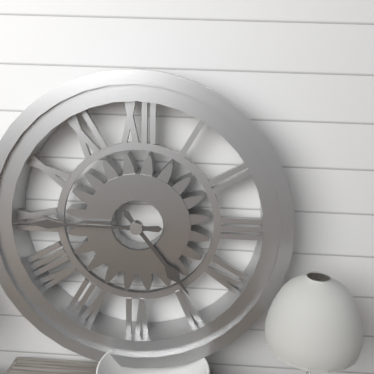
4:45
